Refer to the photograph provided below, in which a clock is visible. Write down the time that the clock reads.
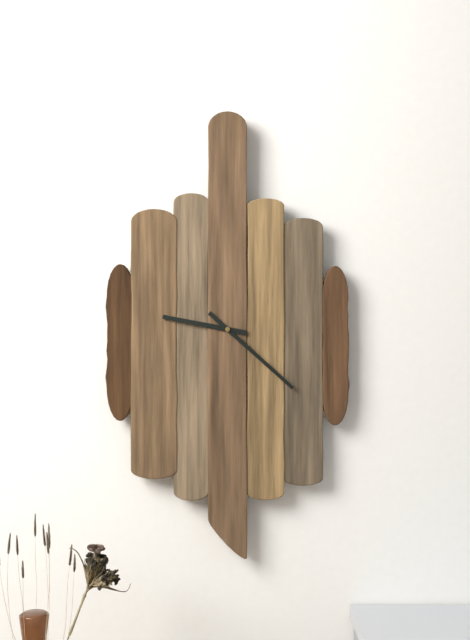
9:22
